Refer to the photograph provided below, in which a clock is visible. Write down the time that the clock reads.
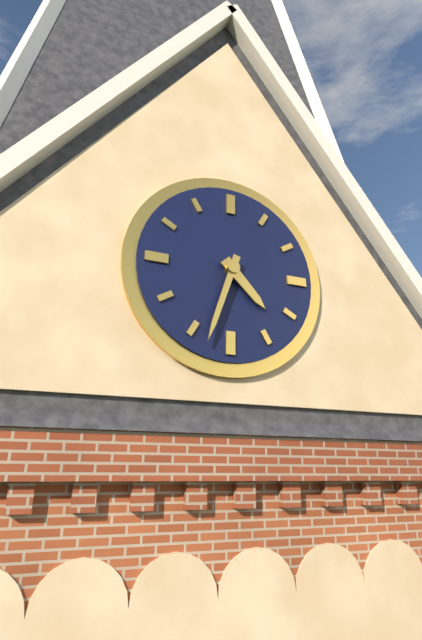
4:33
